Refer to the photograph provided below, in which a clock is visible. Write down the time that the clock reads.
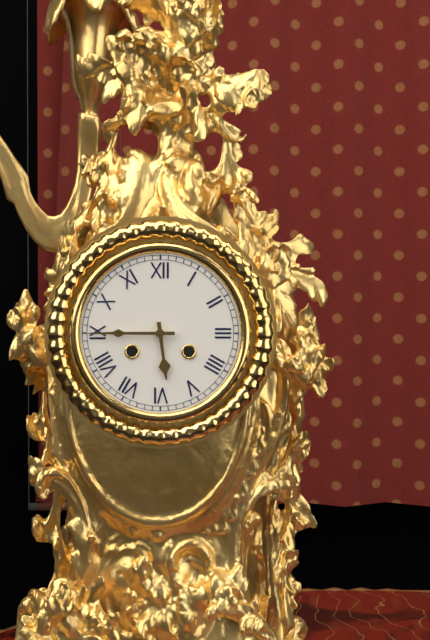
5:45
